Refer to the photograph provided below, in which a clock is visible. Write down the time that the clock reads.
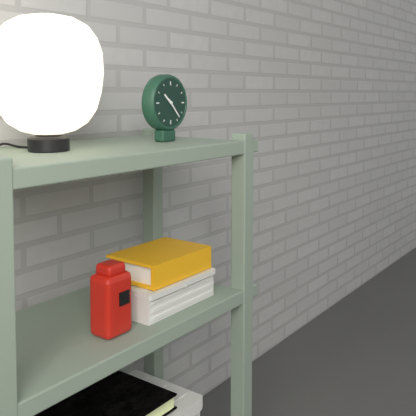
10:23
